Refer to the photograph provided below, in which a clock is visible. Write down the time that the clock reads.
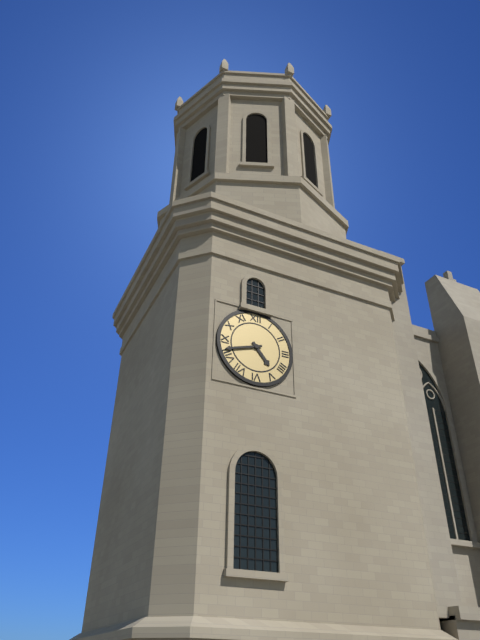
4:42
